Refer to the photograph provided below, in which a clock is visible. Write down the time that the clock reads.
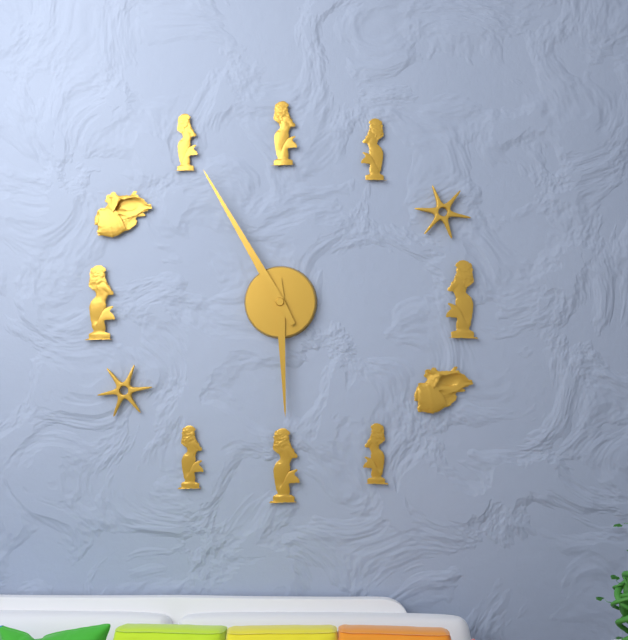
5:55
